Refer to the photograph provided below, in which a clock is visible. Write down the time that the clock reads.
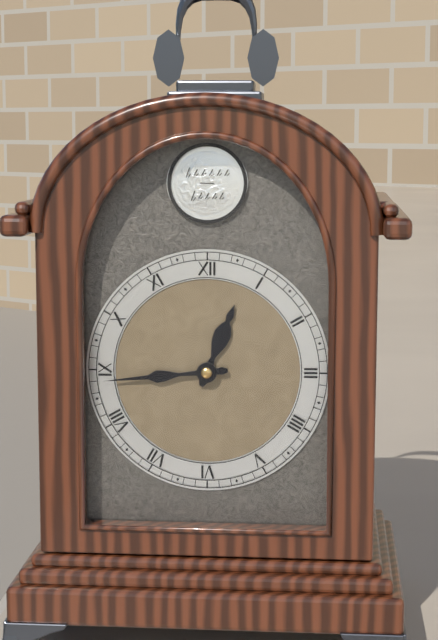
12:44
